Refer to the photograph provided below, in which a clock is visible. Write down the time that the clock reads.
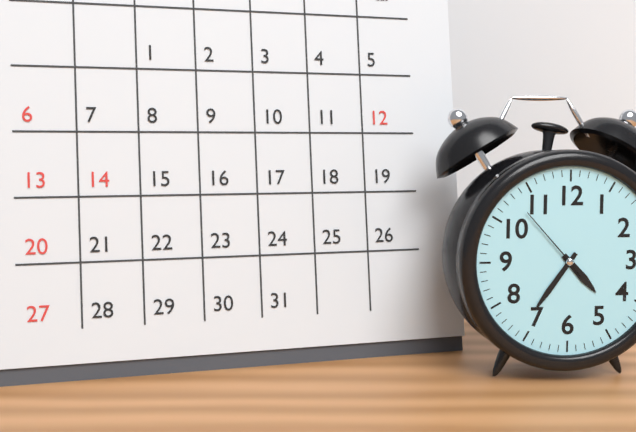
4:36:53
